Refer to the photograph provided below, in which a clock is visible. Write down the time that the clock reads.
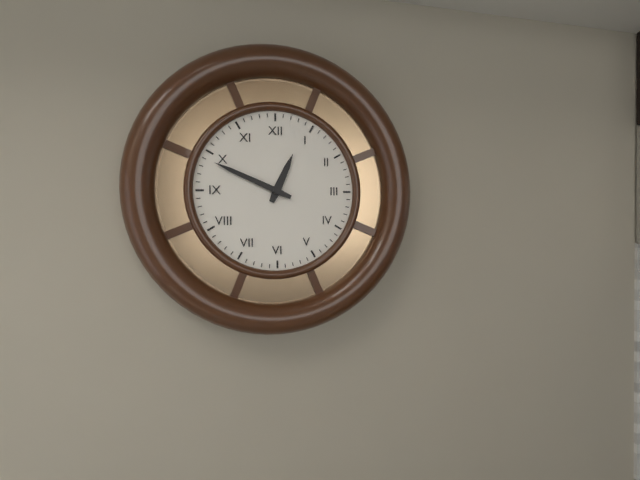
12:49
